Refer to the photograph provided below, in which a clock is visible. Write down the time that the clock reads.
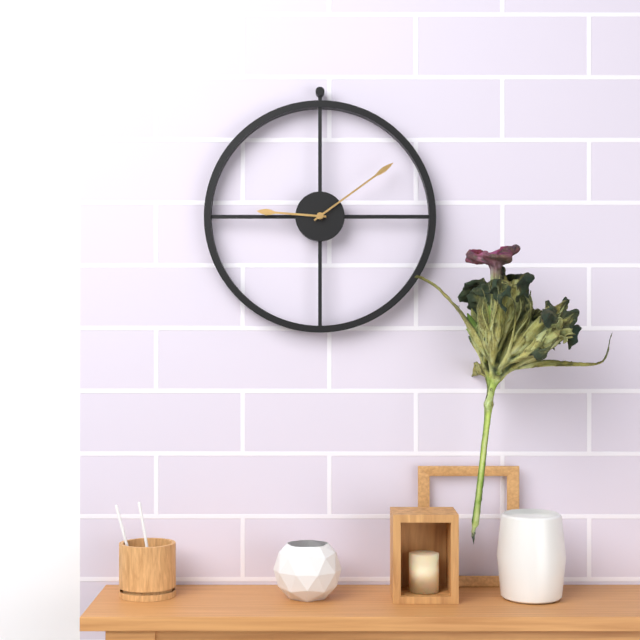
9:09
